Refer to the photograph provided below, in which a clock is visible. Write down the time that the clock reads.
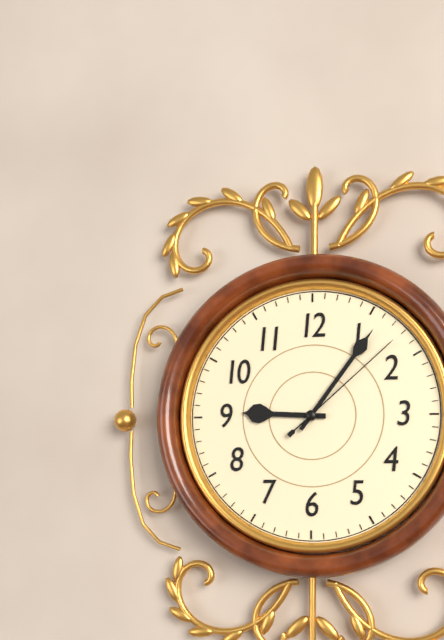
9:06:08
